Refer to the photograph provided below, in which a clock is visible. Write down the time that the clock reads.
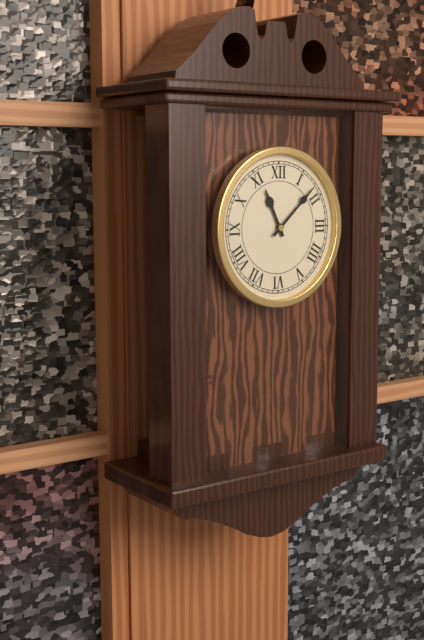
11:08
